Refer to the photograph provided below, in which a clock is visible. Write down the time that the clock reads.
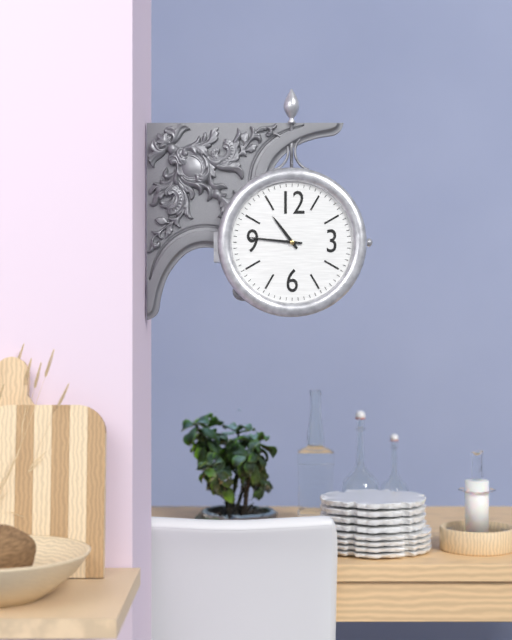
10:46
